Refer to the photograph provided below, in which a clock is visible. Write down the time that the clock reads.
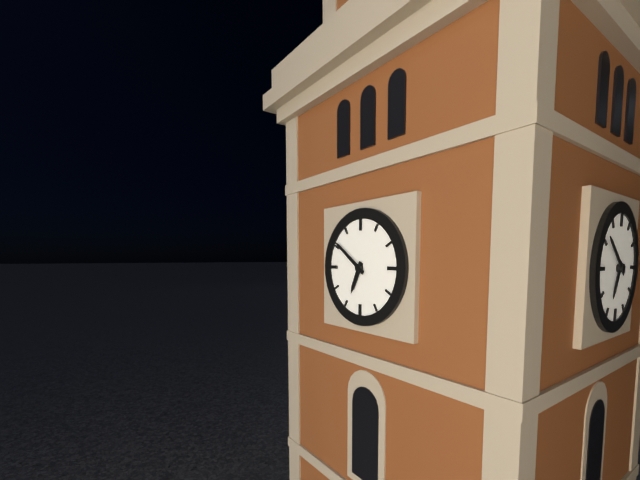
6:51
